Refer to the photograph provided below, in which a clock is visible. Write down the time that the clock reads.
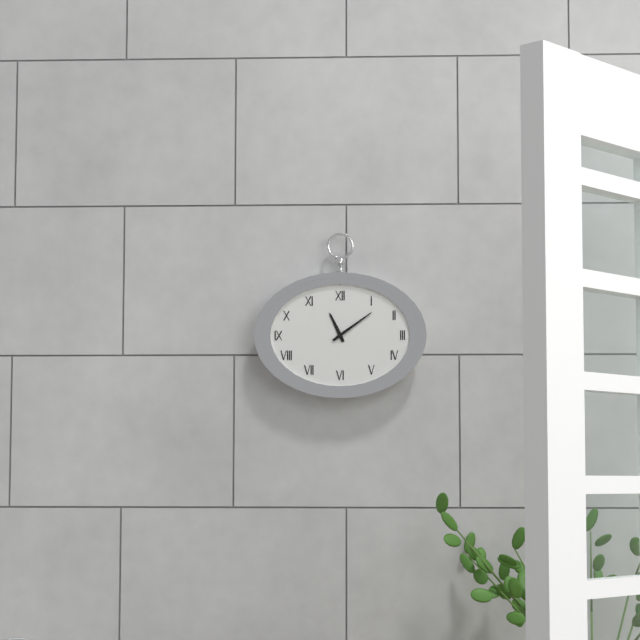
11:09
